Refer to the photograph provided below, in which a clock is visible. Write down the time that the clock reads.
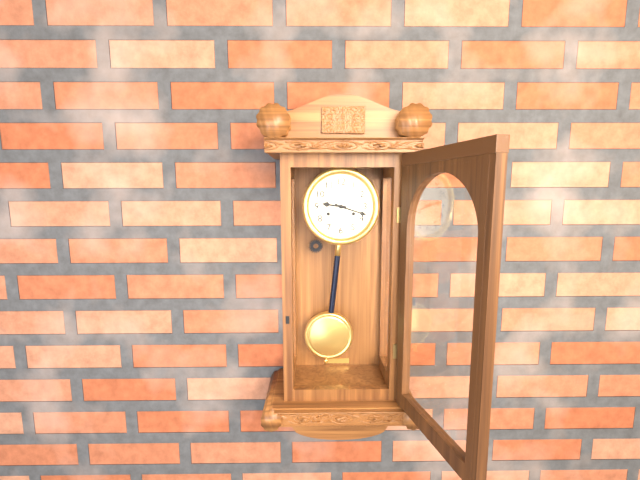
9:18
